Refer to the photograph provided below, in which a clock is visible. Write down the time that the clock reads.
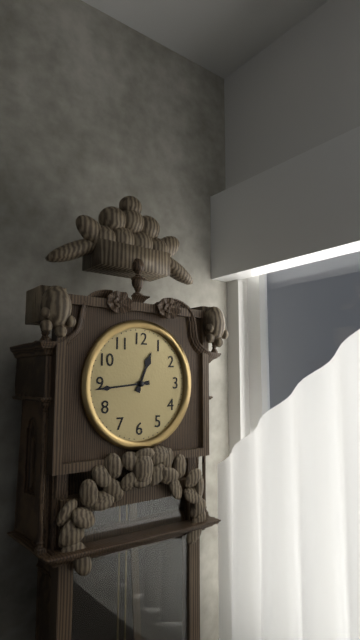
12:44
